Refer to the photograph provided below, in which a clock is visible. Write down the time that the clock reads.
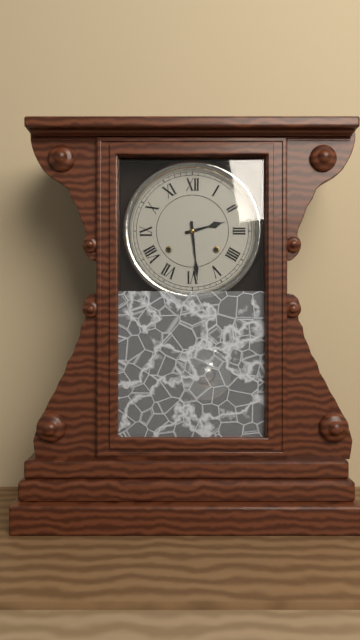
2:29
